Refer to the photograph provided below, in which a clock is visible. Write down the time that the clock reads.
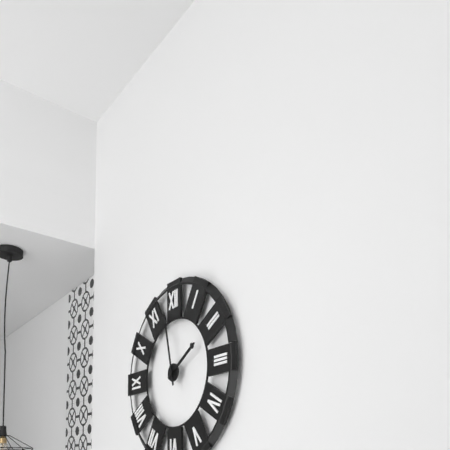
1:58
